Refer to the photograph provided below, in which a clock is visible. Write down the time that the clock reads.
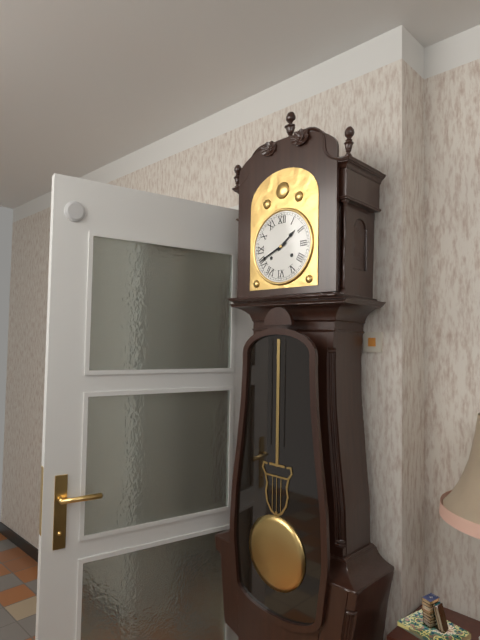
1:41
